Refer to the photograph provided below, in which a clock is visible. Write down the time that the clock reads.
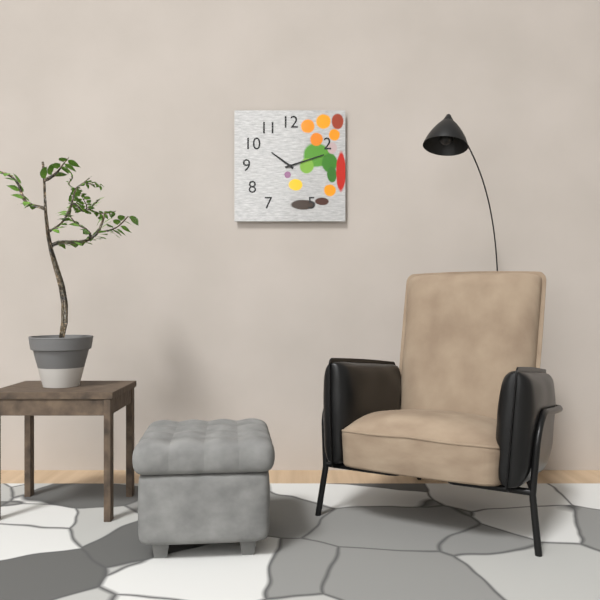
10:12
